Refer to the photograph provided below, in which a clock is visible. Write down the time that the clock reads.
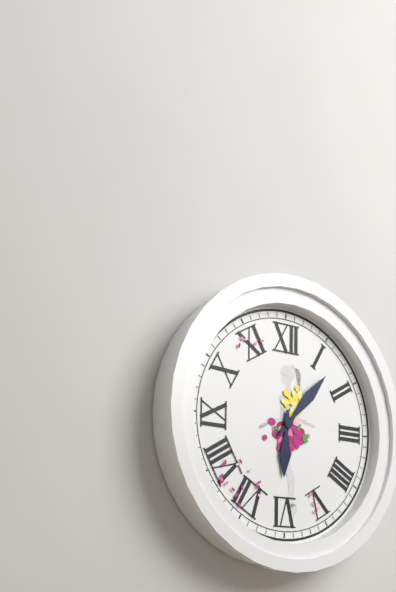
6:07
